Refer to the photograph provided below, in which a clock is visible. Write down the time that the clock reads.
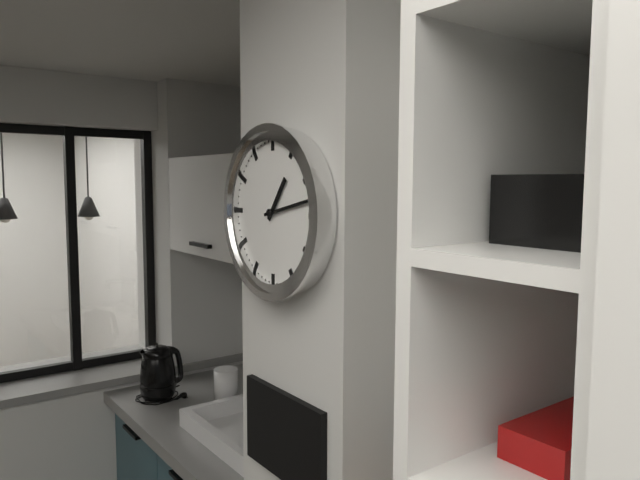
1:13
